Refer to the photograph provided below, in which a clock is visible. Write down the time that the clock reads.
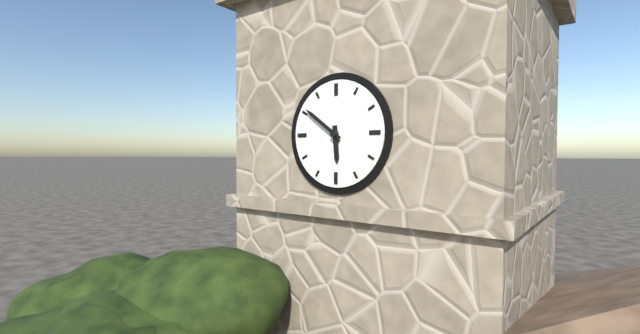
5:51
